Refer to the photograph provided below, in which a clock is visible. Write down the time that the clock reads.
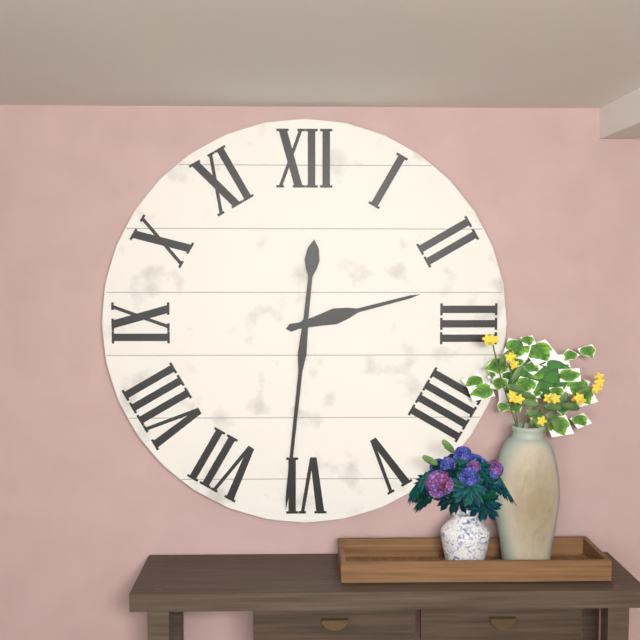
2:31
